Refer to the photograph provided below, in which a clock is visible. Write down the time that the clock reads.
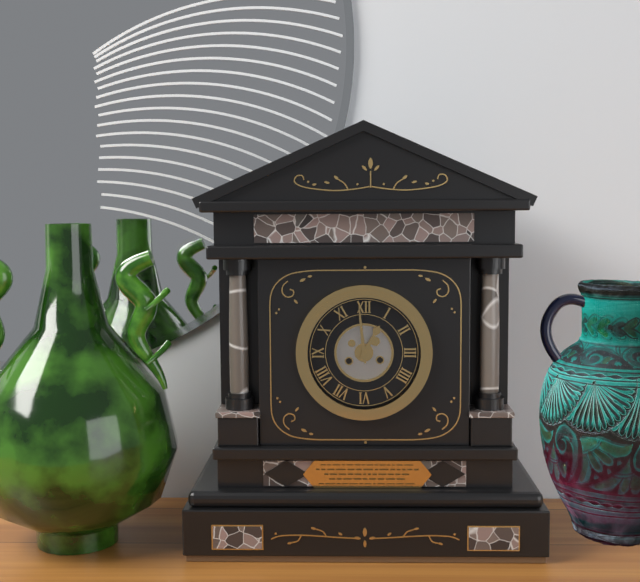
12:59
